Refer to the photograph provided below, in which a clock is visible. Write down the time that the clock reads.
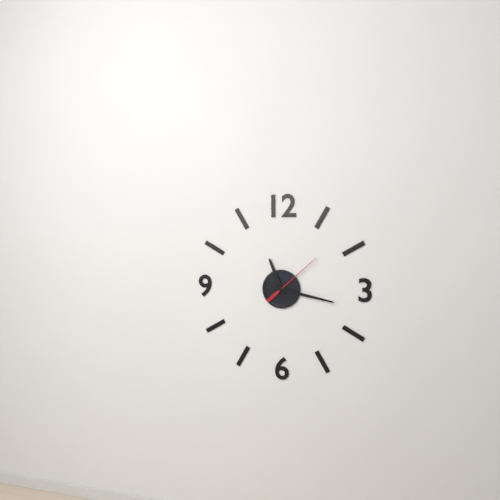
11:17:08
